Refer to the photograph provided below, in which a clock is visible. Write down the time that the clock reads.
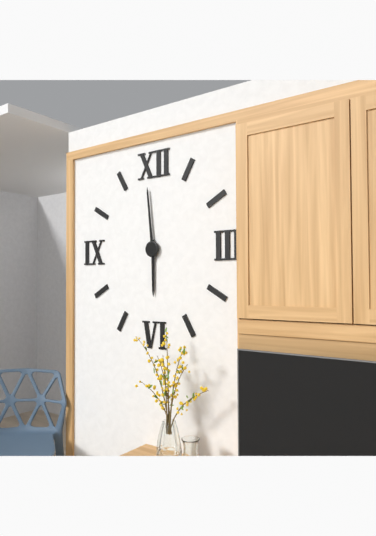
5:59
